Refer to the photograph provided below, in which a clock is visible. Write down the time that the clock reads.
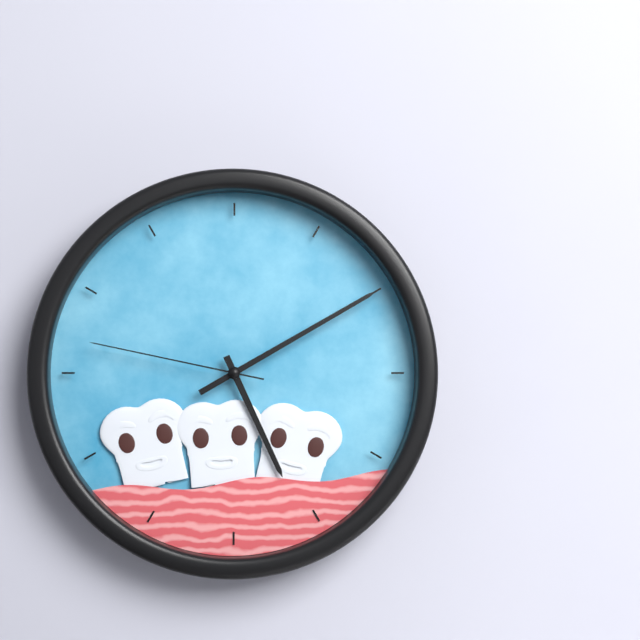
5:10:47
